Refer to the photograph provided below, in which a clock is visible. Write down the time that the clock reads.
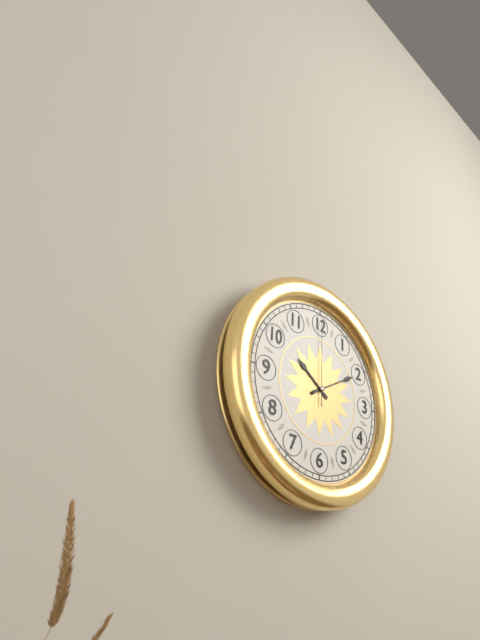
10:10:00
